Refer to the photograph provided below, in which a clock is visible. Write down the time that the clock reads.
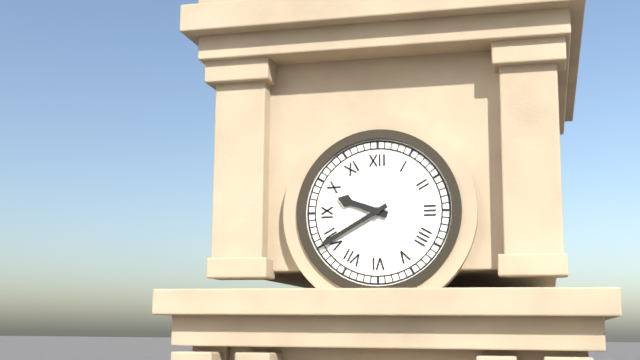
9:40
